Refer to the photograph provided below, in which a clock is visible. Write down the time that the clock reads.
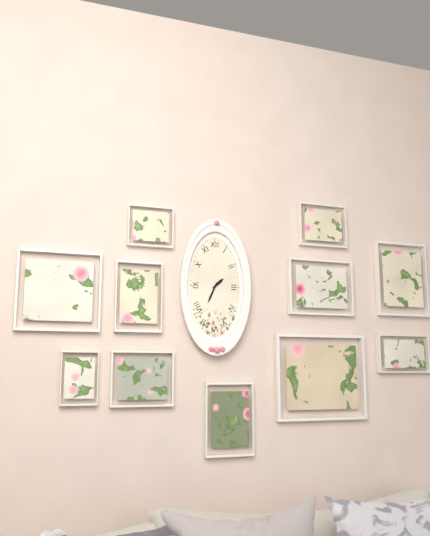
1:34
